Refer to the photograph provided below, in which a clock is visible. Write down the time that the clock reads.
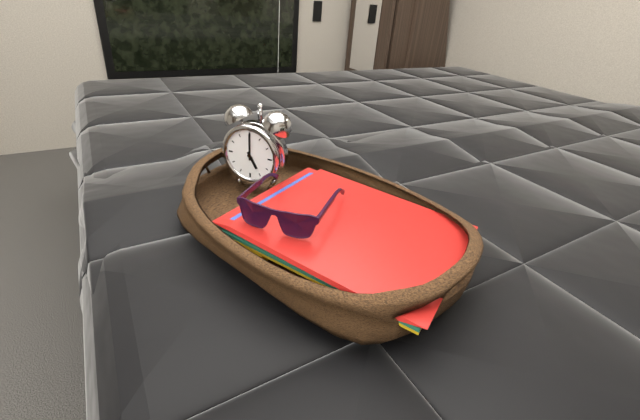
5:00
